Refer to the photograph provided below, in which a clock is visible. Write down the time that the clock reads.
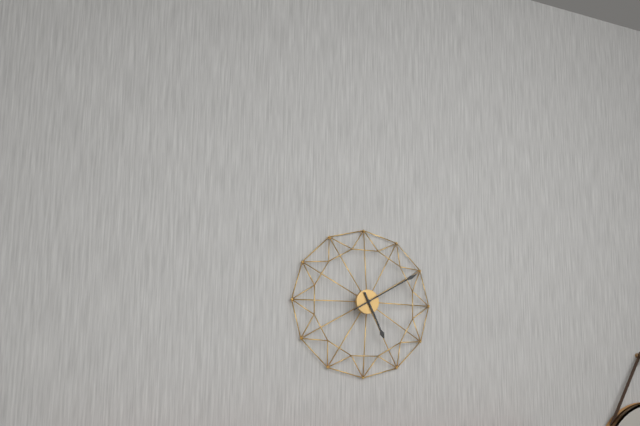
5:10
